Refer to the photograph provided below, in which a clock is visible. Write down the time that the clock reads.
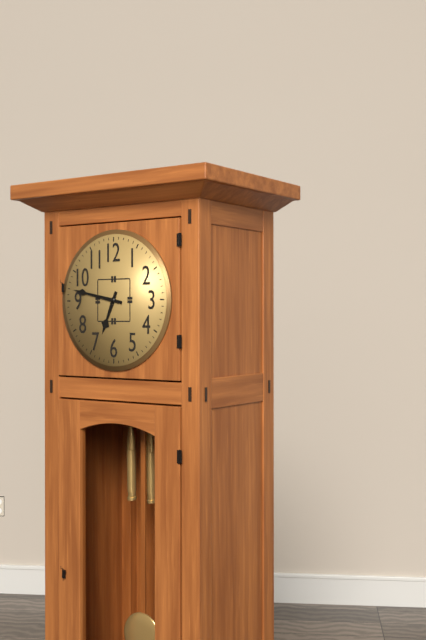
6:47
